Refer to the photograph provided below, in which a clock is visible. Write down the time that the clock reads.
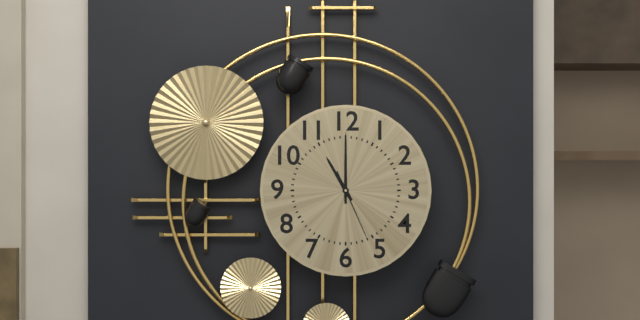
11:00:26
